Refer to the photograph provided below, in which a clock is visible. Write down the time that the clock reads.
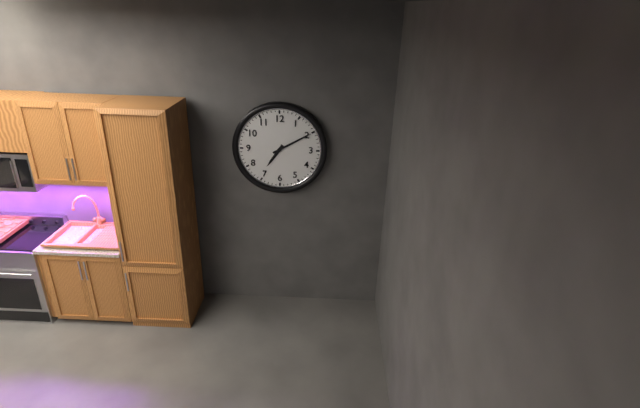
7:10
